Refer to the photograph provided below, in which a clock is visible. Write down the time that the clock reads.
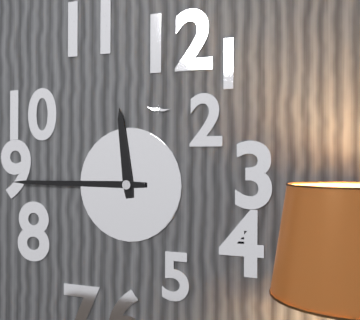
11:45
